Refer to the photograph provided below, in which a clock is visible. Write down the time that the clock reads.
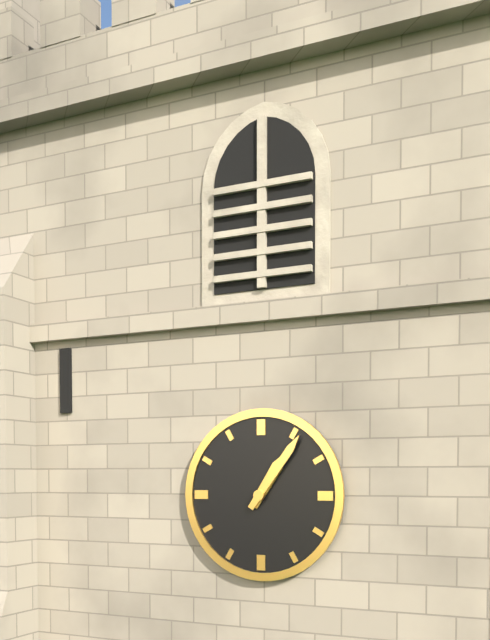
1:06
